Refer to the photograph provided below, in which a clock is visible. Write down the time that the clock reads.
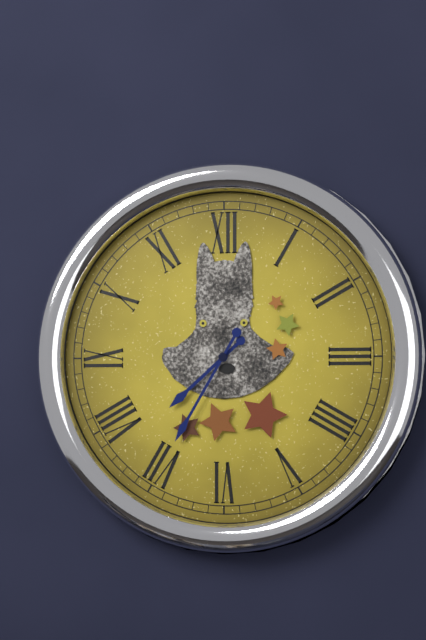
7:35
